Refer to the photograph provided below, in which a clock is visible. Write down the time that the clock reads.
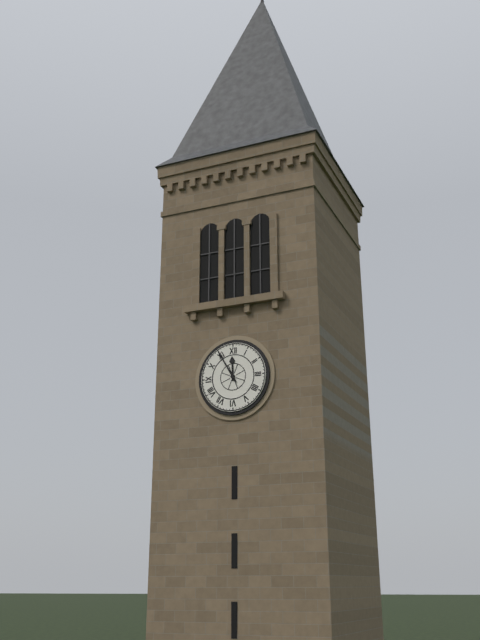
11:55
